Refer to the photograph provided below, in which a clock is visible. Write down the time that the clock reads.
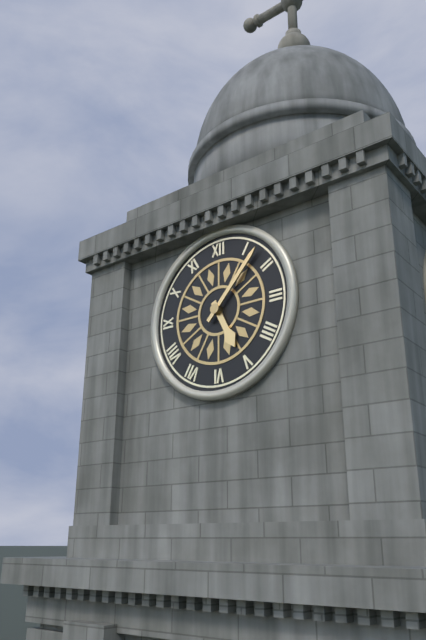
5:07
